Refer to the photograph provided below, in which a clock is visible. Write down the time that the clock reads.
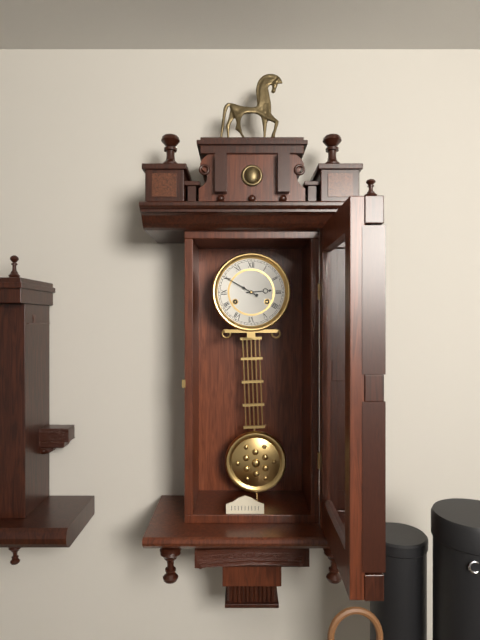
2:50
